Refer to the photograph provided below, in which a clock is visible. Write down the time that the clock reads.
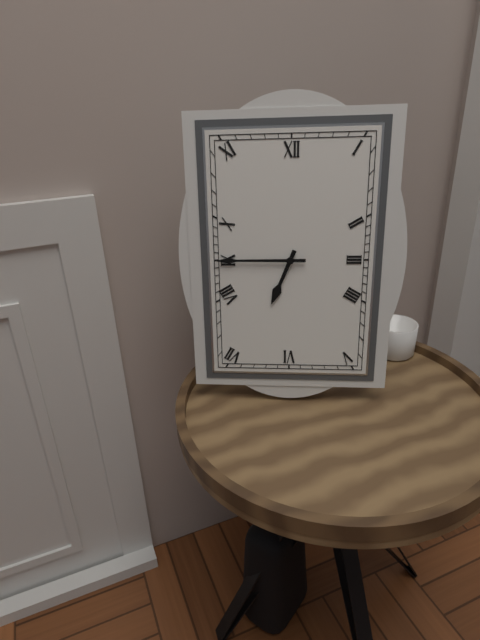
6:45
